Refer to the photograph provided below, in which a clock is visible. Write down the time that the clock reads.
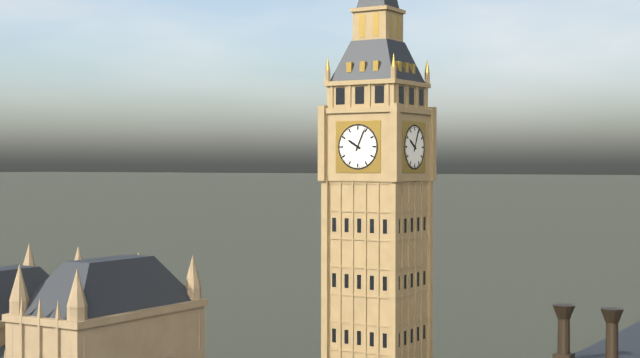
10:04
